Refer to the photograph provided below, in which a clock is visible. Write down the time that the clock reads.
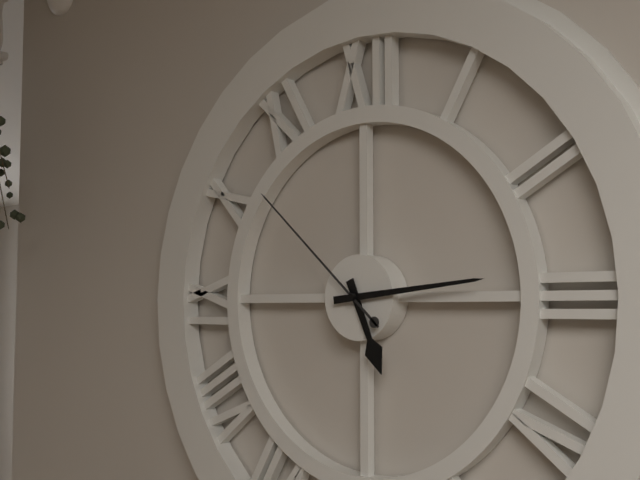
5:14:52
